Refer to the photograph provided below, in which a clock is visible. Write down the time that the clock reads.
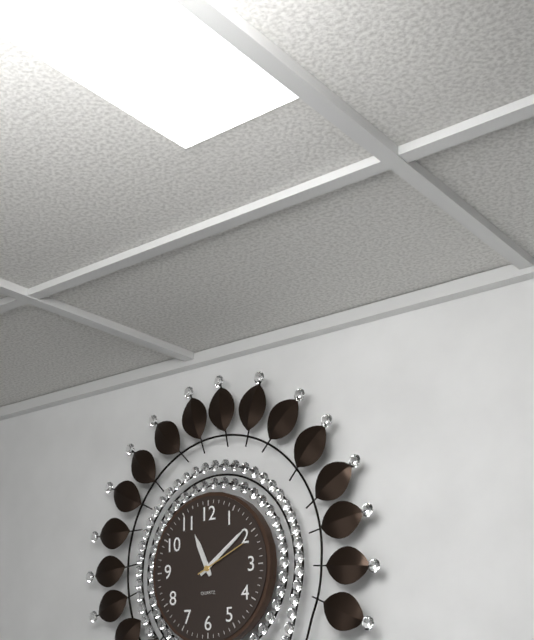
11:09:11
